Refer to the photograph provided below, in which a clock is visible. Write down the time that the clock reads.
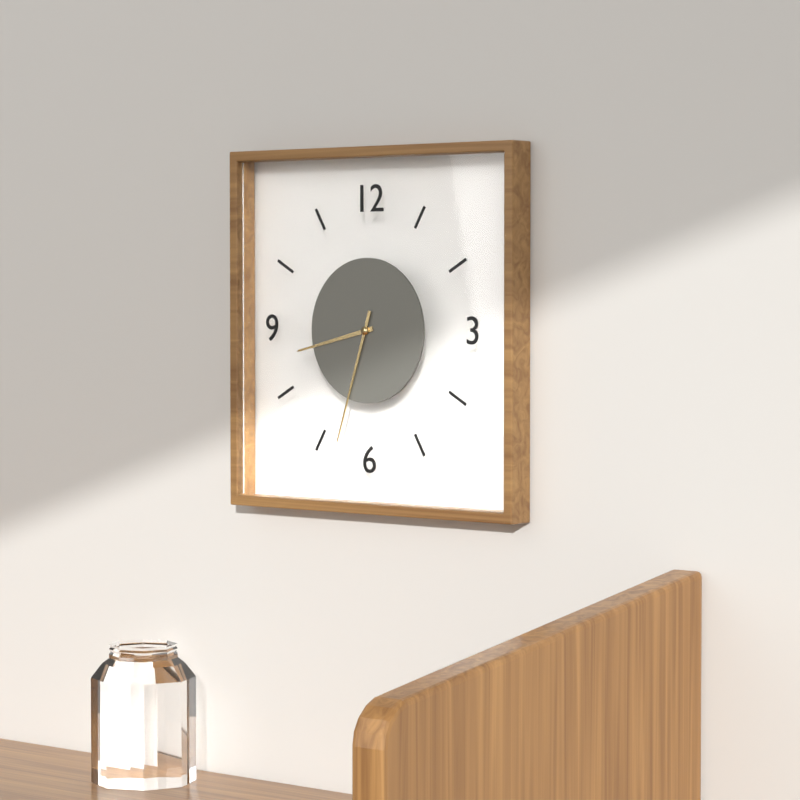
8:33
